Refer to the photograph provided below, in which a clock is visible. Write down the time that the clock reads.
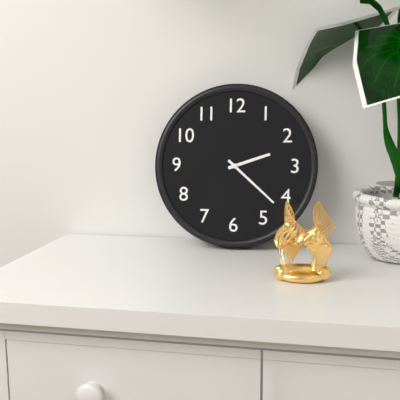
2:22
